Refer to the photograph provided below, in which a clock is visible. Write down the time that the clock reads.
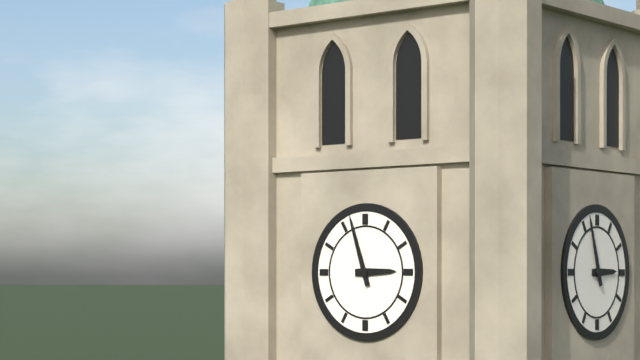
2:57
